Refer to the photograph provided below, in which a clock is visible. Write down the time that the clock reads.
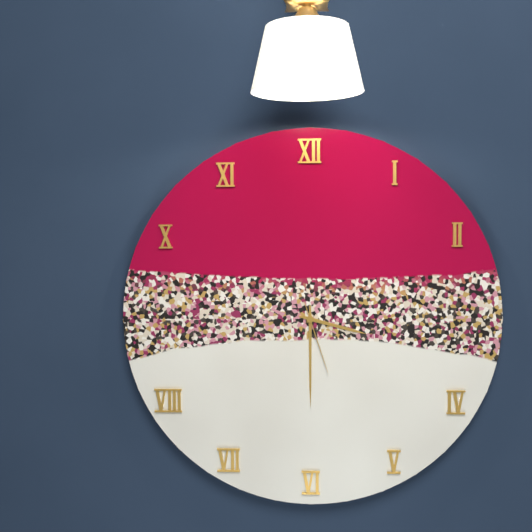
3:30:27
